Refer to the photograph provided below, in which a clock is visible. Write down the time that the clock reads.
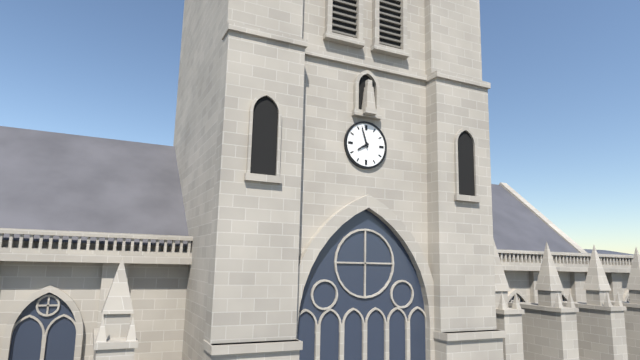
7:57
